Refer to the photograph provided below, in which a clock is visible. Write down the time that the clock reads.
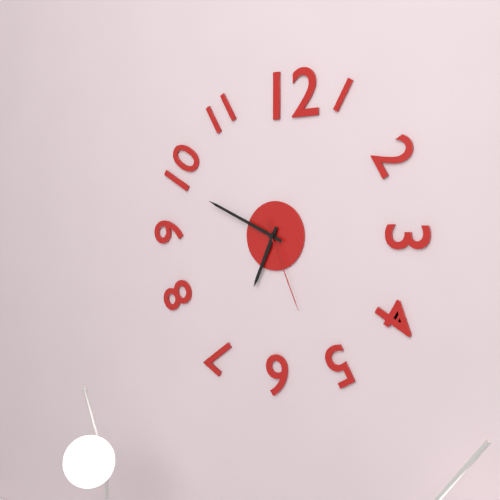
6:49:26
